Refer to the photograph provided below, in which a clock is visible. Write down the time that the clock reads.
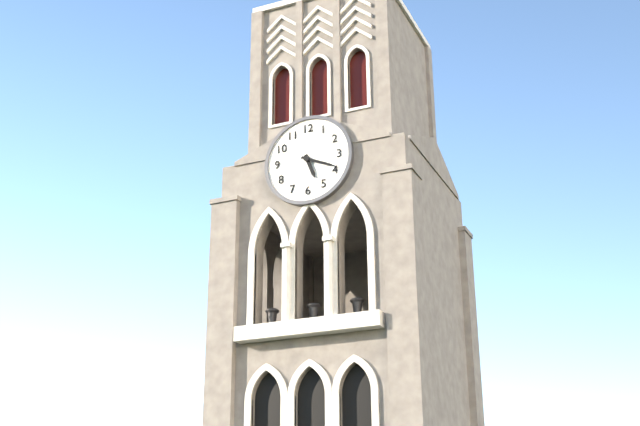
5:19
